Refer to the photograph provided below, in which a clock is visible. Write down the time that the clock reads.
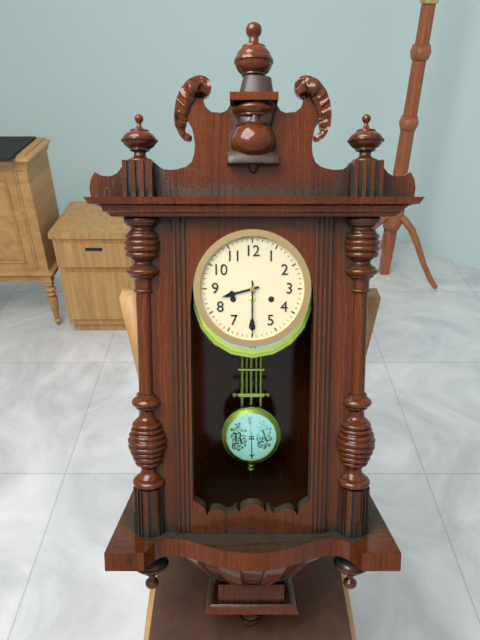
8:30
